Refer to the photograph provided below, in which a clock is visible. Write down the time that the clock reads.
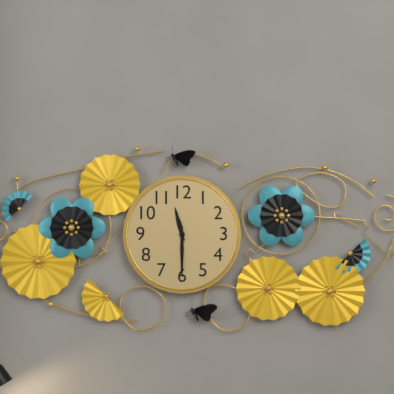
11:30
